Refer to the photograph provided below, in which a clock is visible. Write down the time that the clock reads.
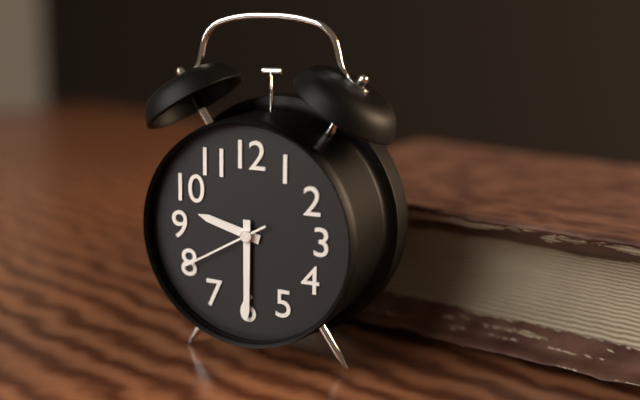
9:30:40
